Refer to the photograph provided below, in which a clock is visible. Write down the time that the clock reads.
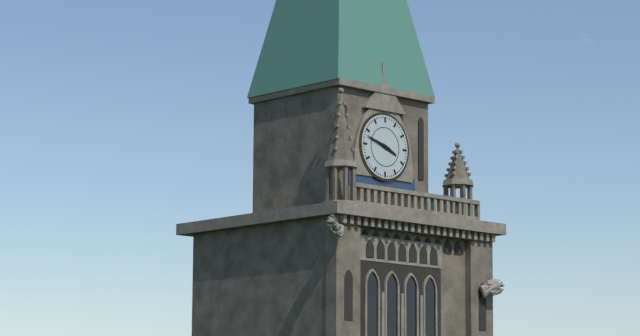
3:48
